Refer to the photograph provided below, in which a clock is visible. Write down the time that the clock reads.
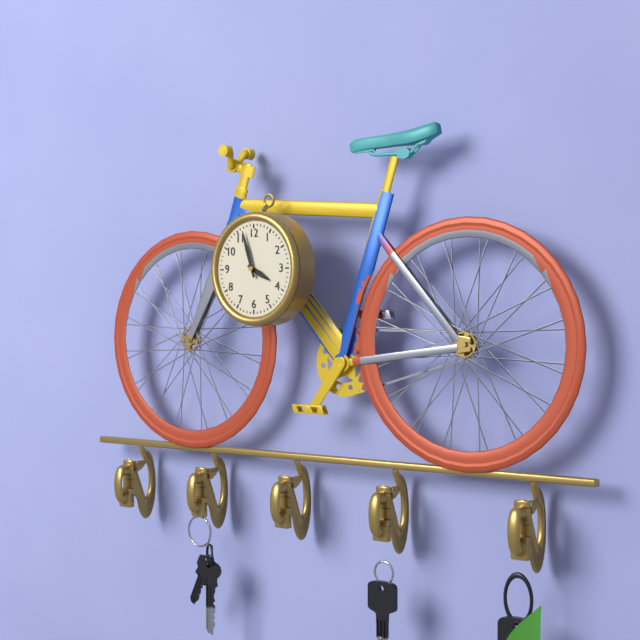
3:57
